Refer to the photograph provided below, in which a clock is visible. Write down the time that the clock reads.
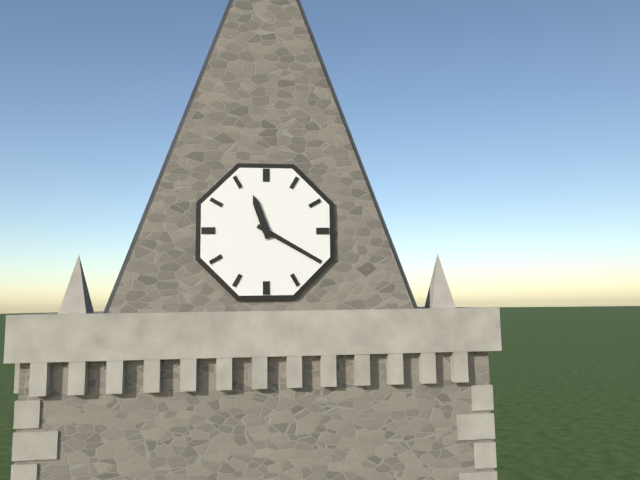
11:20
